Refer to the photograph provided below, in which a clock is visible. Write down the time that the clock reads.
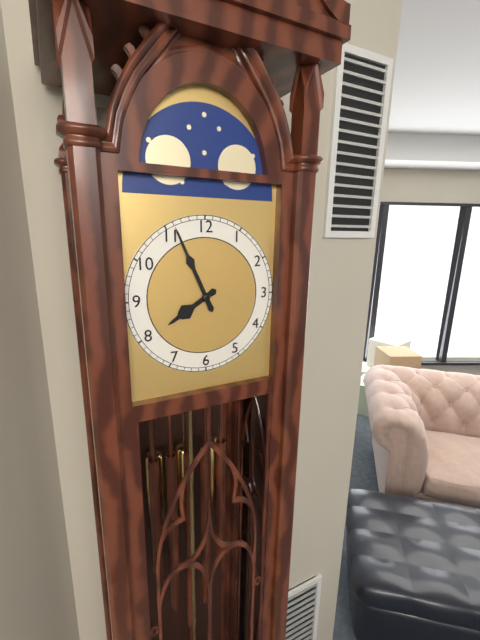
7:56
